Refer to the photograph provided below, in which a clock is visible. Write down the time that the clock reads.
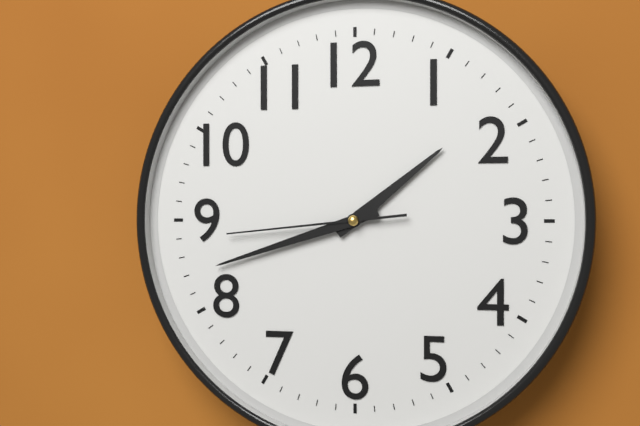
1:42:44
